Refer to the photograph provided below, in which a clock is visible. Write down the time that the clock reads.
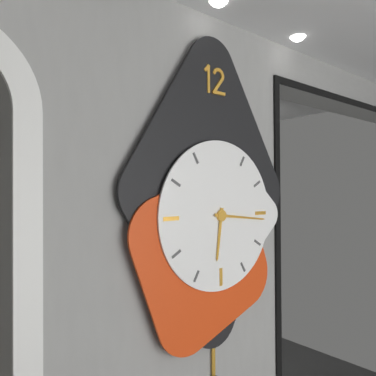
6:16
